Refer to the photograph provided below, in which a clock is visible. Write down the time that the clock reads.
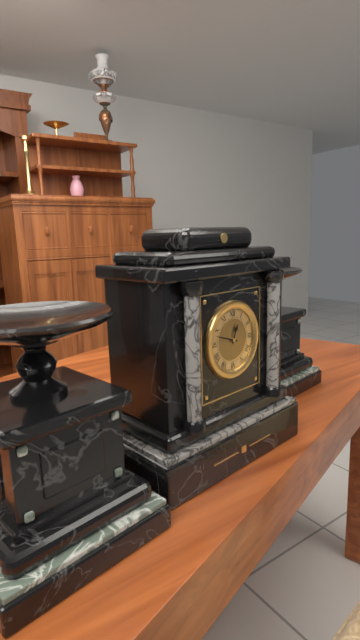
12:48
